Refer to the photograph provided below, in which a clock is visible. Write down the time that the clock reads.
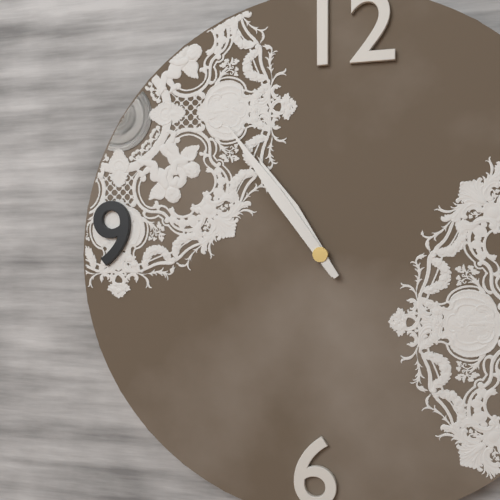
10:54
